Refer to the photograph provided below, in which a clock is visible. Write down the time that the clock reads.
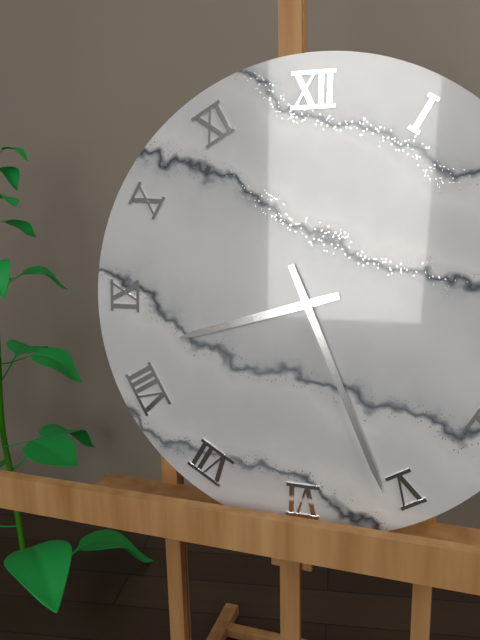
8:26
